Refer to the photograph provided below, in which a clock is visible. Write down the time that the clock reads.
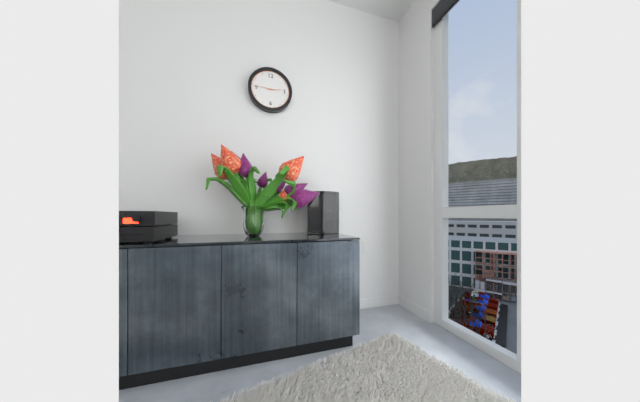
2:46
